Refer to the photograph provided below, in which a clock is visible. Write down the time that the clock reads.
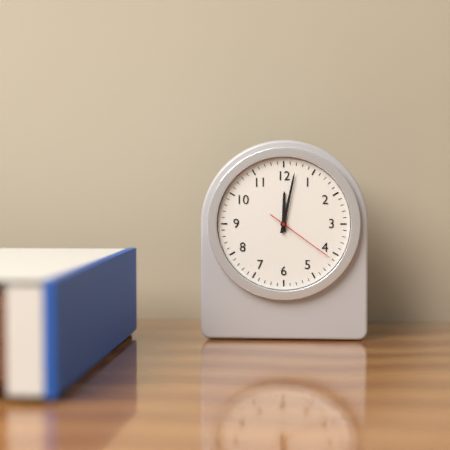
12:02:21
